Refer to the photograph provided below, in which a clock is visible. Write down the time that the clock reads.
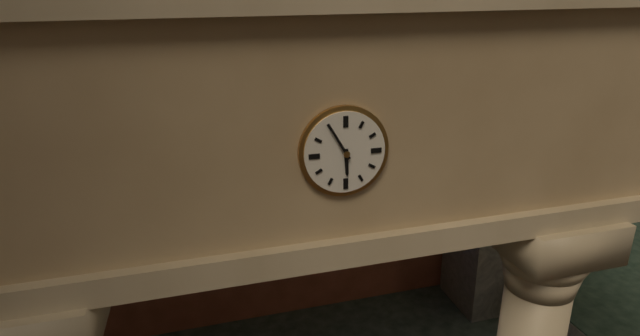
5:55
